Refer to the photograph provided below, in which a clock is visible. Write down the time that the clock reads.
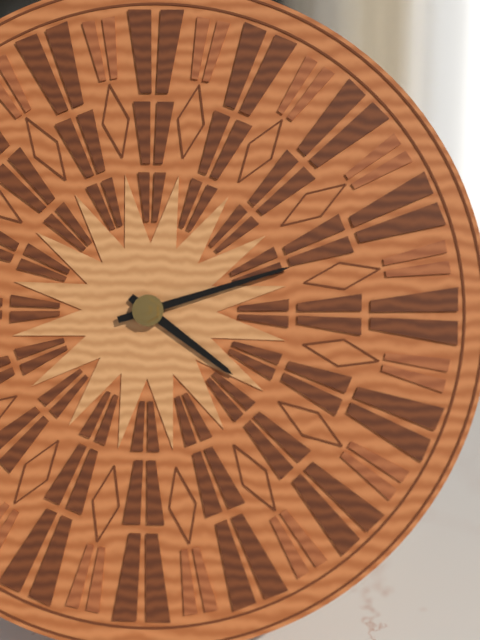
4:12
